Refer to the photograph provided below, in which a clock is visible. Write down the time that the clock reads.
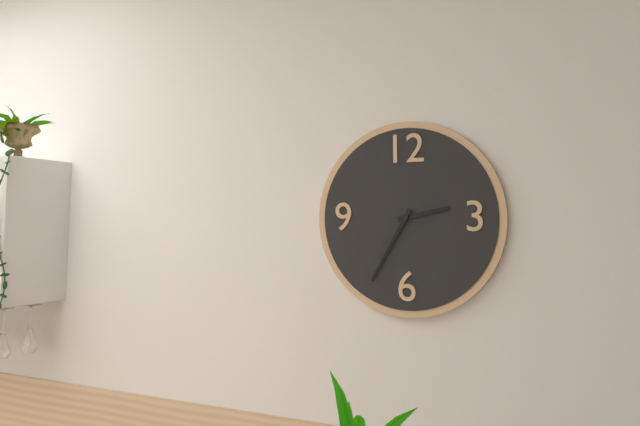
2:35
